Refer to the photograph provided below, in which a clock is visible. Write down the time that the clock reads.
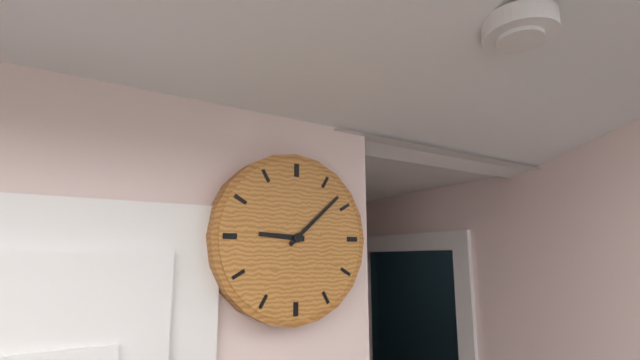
9:08
